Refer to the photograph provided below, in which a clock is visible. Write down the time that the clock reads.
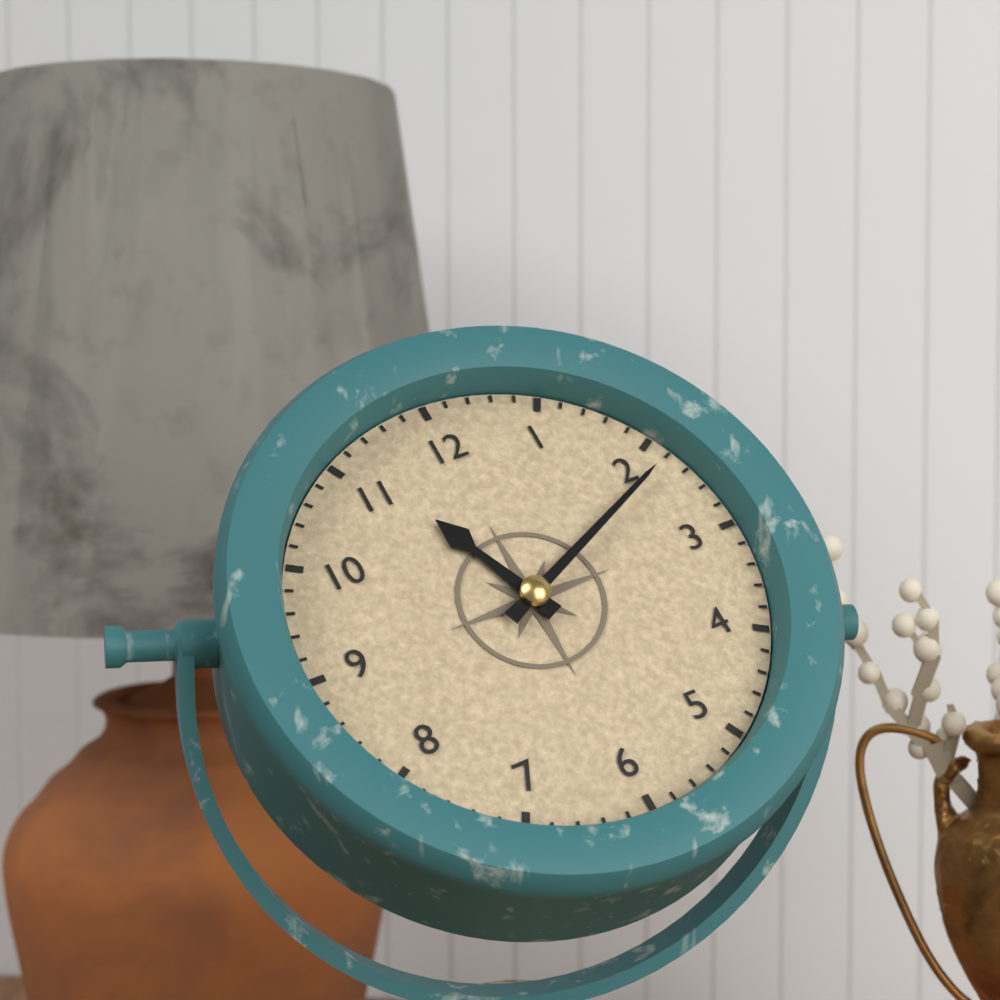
11:11
